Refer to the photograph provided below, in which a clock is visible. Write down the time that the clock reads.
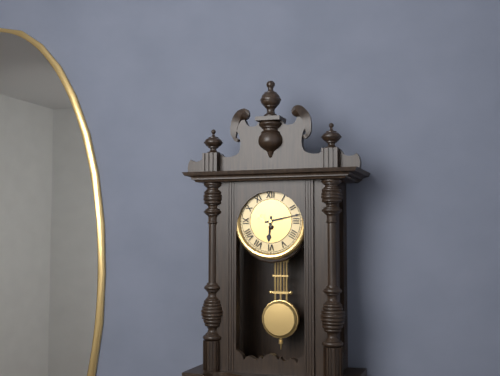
6:13
